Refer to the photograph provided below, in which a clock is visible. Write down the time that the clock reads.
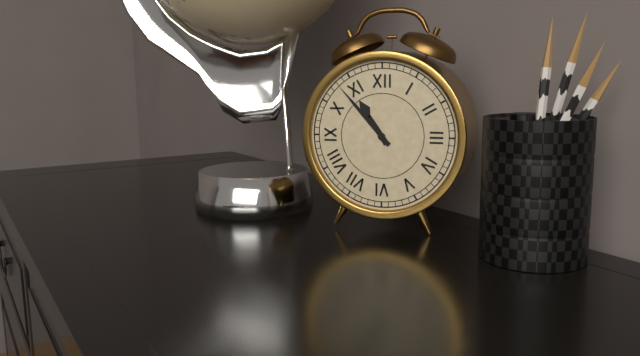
10:53
